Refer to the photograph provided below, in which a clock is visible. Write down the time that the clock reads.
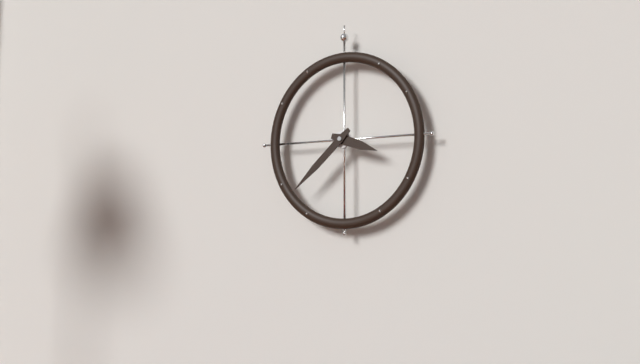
3:38
